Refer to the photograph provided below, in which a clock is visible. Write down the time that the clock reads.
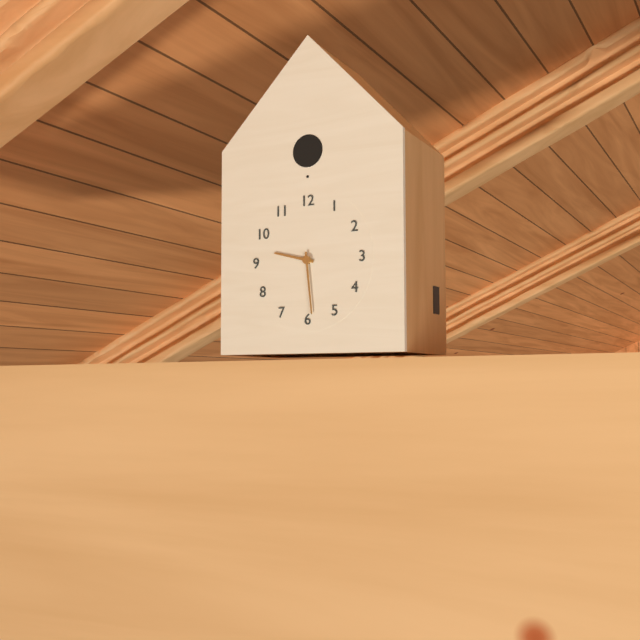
9:29
